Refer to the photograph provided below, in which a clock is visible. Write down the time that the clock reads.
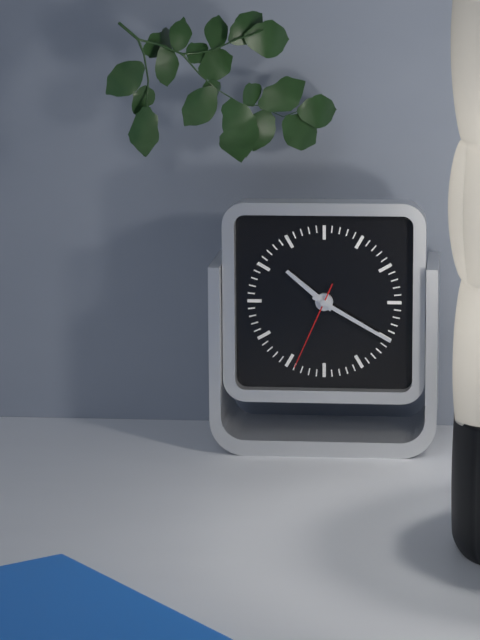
10:20:34
